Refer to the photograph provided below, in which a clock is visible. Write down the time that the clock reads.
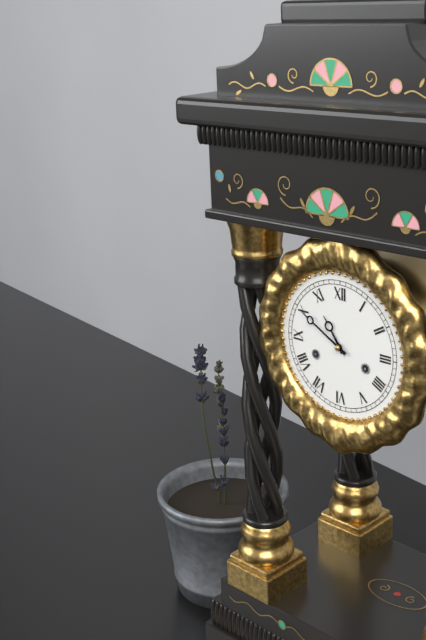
10:50
